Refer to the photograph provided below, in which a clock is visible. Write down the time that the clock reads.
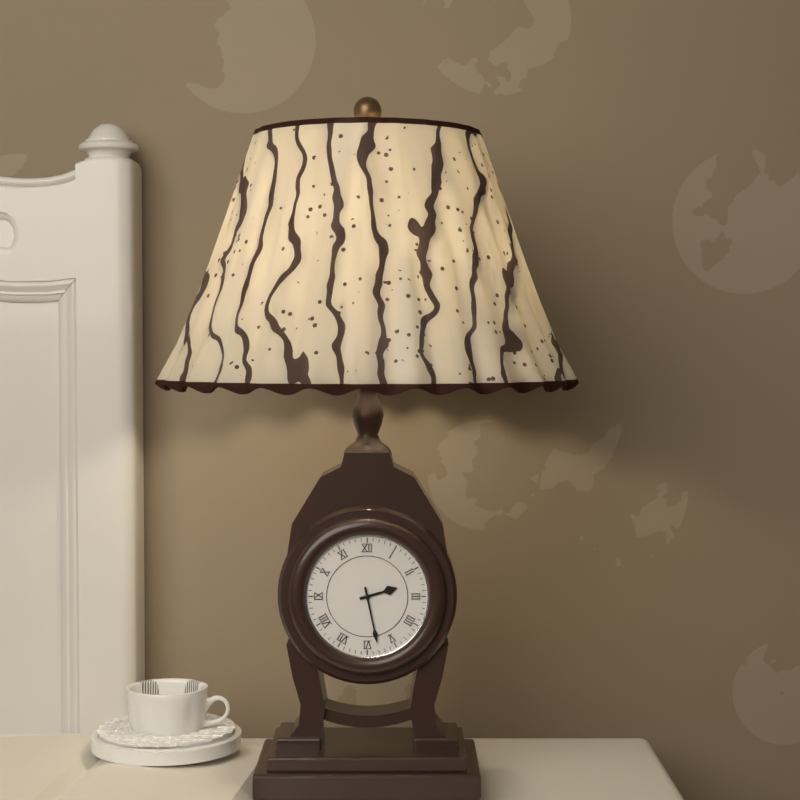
2:28
